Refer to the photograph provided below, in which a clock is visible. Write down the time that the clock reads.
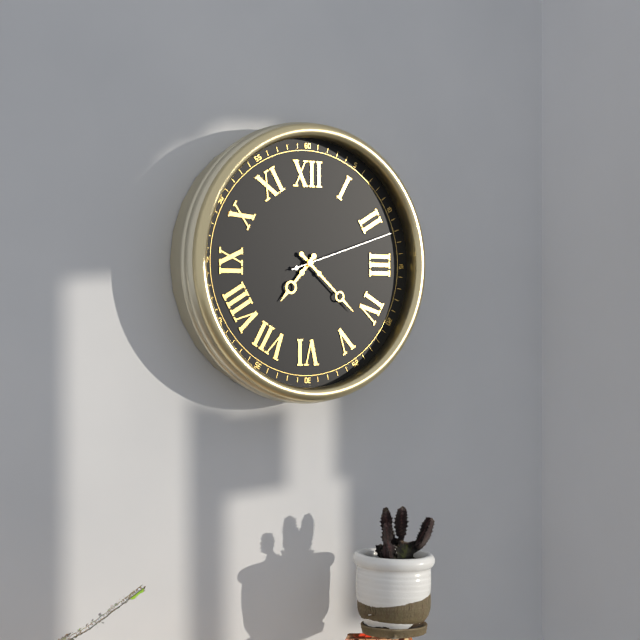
7:22:12
